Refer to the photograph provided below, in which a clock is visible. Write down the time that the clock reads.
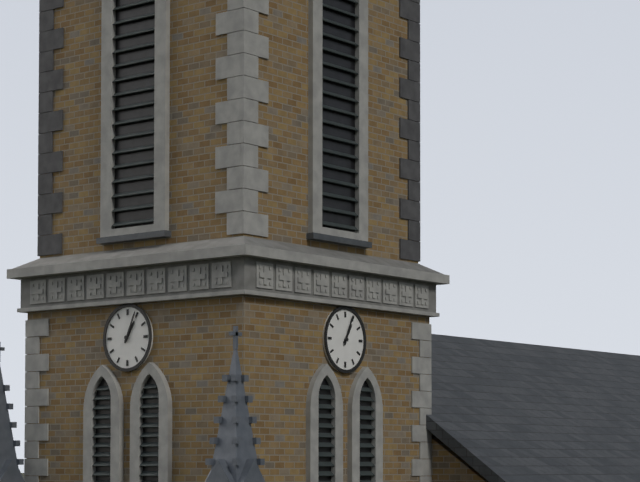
1:04
